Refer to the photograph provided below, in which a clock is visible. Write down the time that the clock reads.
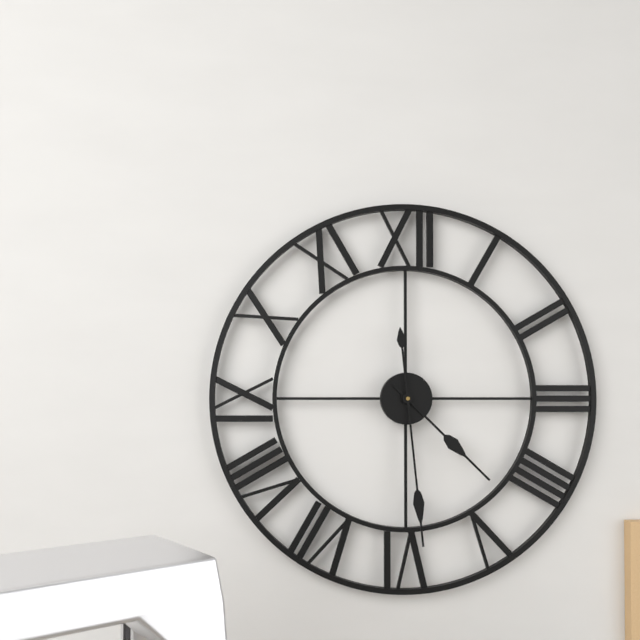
4:29
